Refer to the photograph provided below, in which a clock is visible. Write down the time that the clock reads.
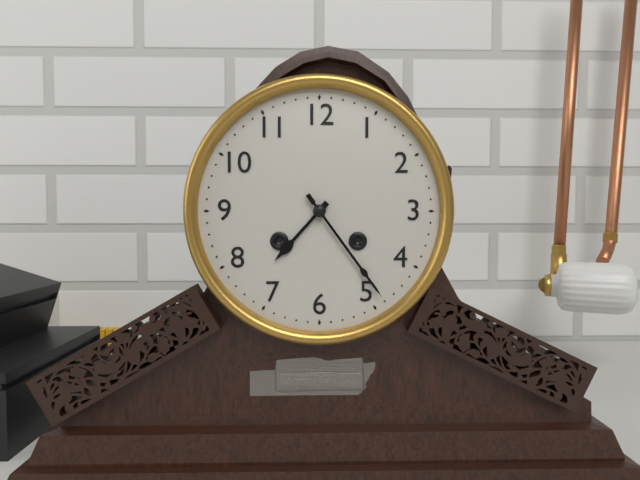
7:24
